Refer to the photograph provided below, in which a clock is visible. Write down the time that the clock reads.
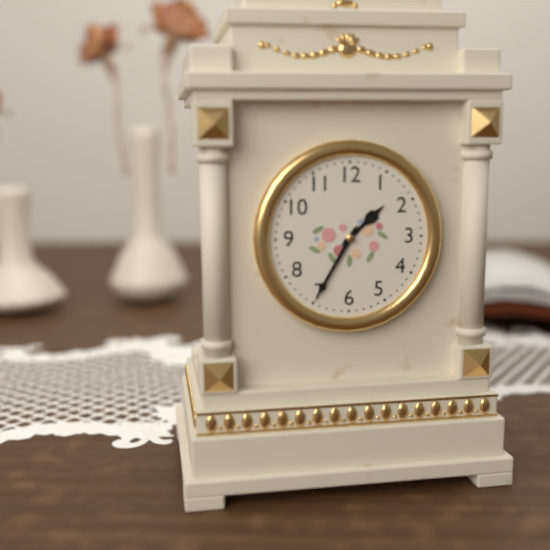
1:35
